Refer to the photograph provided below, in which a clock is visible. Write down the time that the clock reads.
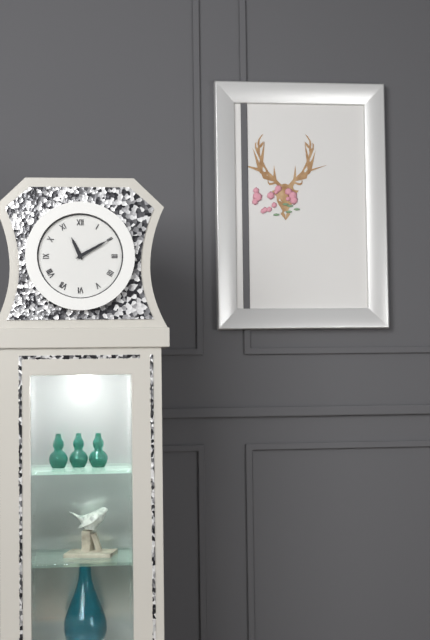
11:10
